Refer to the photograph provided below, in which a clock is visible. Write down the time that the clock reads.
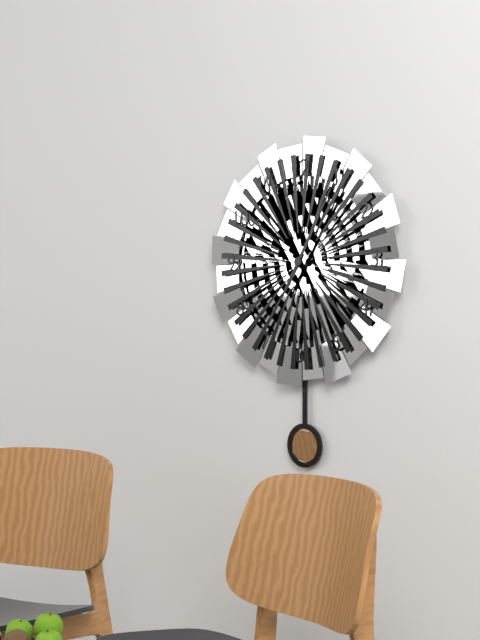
7:05
